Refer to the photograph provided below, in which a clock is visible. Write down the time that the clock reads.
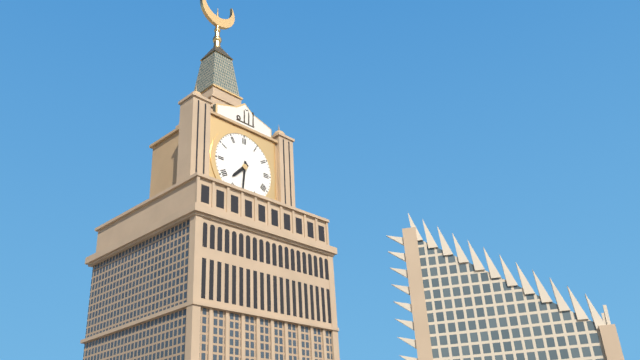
7:31
